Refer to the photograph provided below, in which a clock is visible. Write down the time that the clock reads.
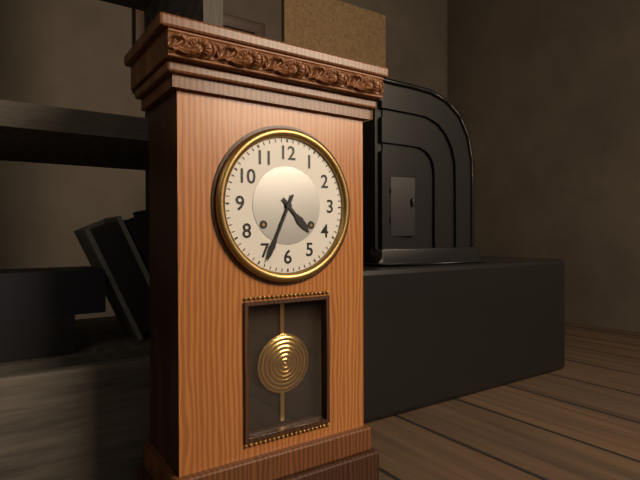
4:34
